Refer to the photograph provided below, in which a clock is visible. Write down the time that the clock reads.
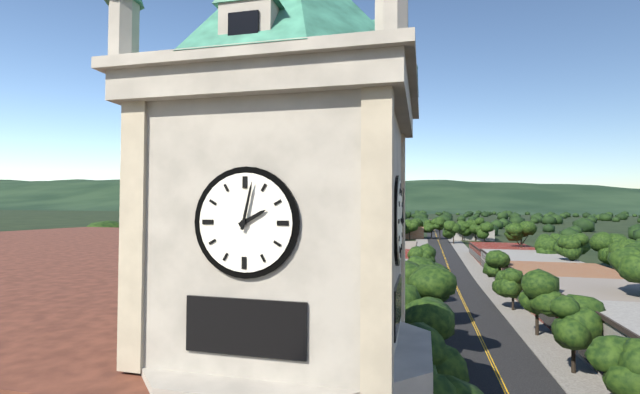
2:02
